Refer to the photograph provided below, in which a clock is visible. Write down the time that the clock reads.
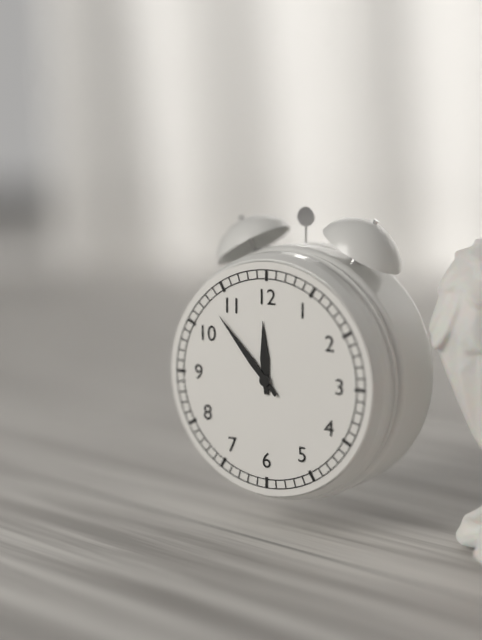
11:53
